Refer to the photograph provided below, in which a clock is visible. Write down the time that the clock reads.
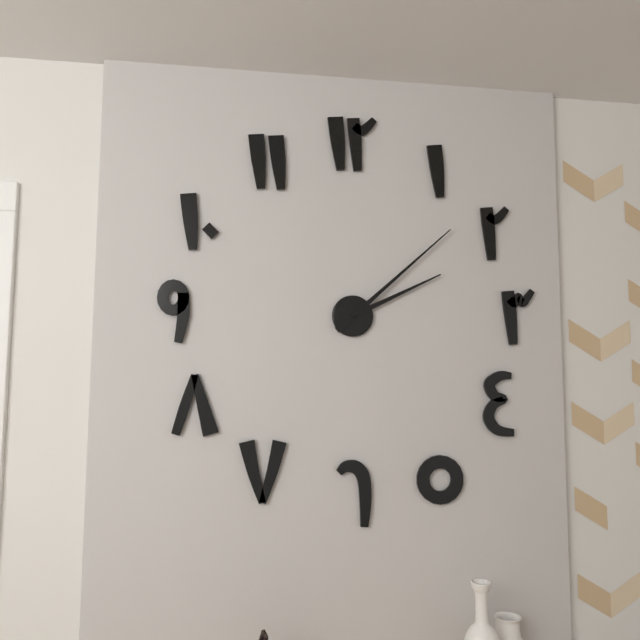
2:08
